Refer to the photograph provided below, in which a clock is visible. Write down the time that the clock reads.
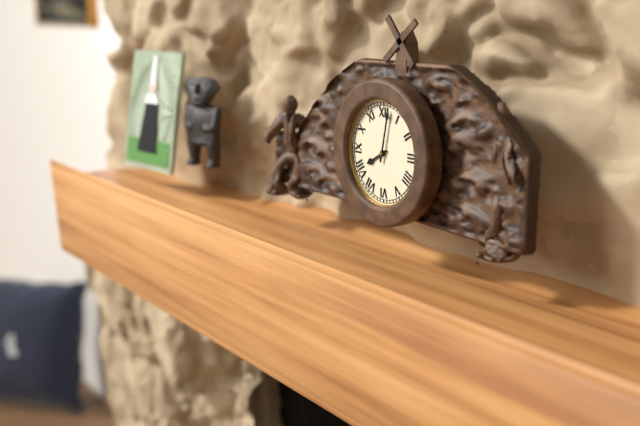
8:02
